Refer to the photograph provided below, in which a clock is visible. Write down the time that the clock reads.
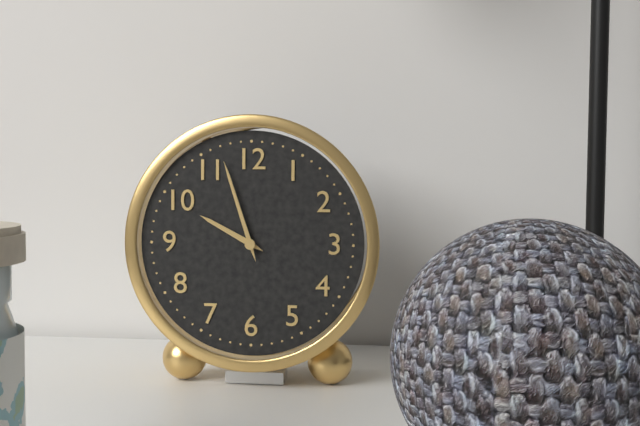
9:57
